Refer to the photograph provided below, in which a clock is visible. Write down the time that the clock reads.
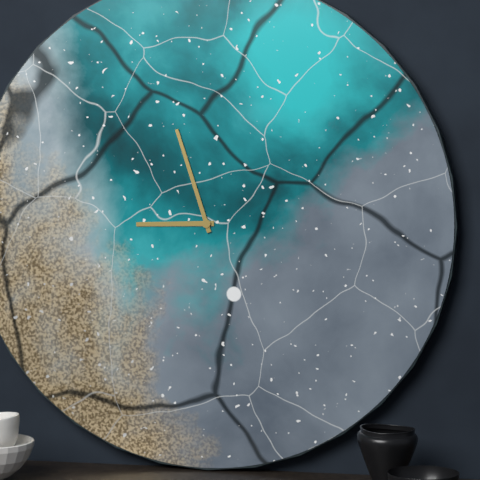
8:57
